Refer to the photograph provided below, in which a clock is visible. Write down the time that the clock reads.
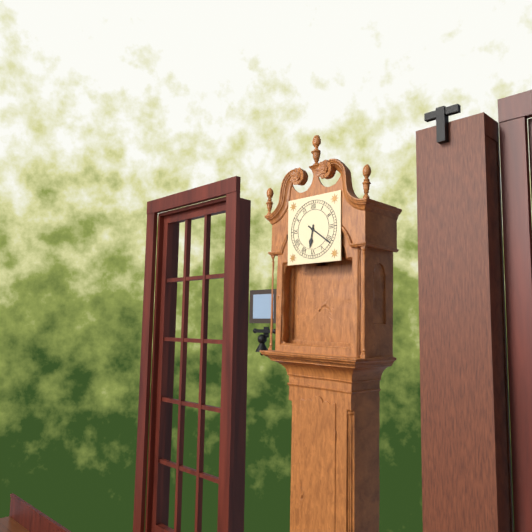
6:21
